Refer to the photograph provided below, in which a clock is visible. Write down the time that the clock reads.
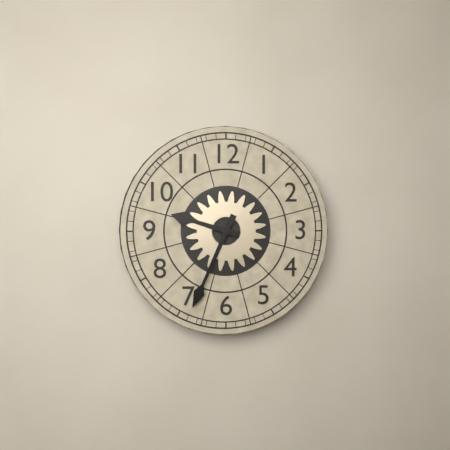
9:34
